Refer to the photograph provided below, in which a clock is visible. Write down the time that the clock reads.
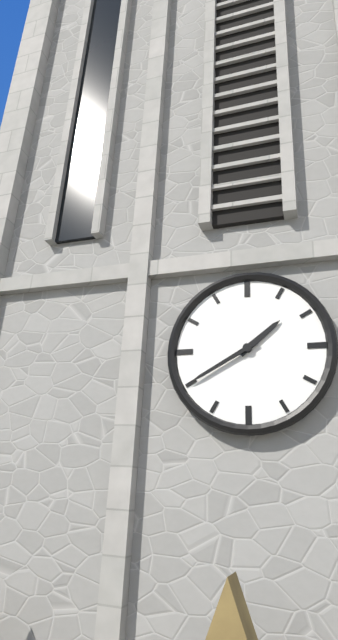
1:40
